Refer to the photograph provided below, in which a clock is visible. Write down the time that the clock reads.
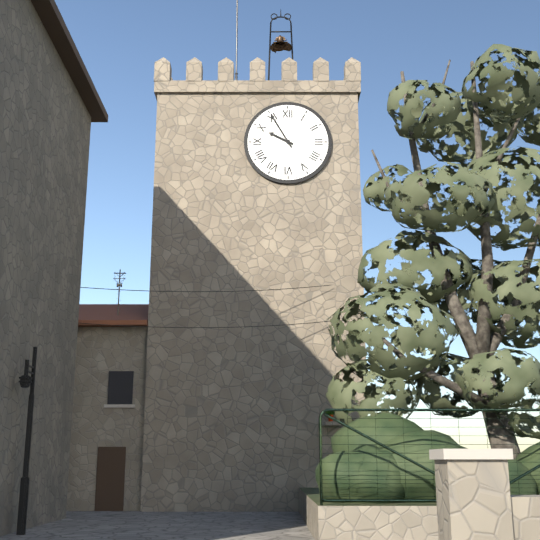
9:55
